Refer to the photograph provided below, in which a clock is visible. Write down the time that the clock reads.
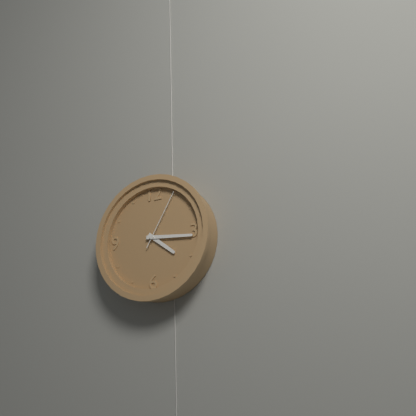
4:16:05
